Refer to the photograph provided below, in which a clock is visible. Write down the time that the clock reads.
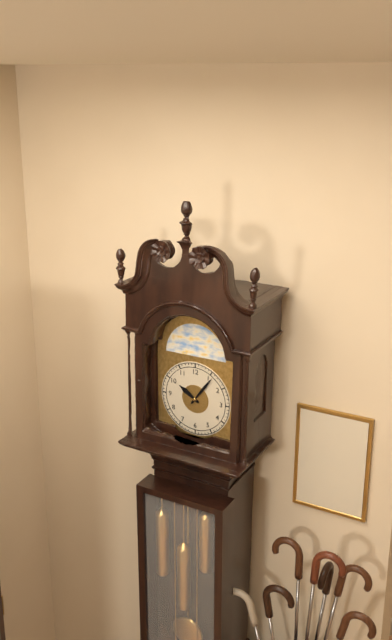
10:06
